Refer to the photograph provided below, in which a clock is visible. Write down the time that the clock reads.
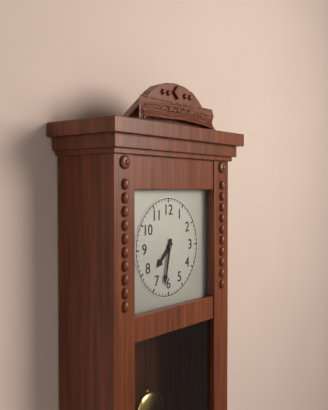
7:32
